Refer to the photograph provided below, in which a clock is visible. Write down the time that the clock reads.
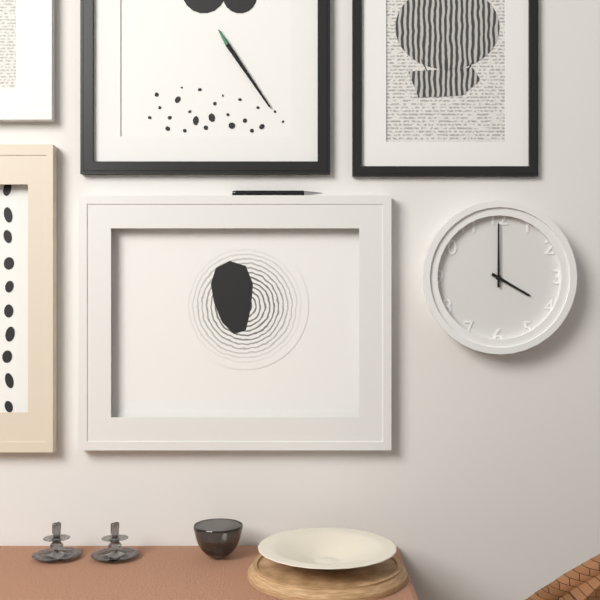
4:00
